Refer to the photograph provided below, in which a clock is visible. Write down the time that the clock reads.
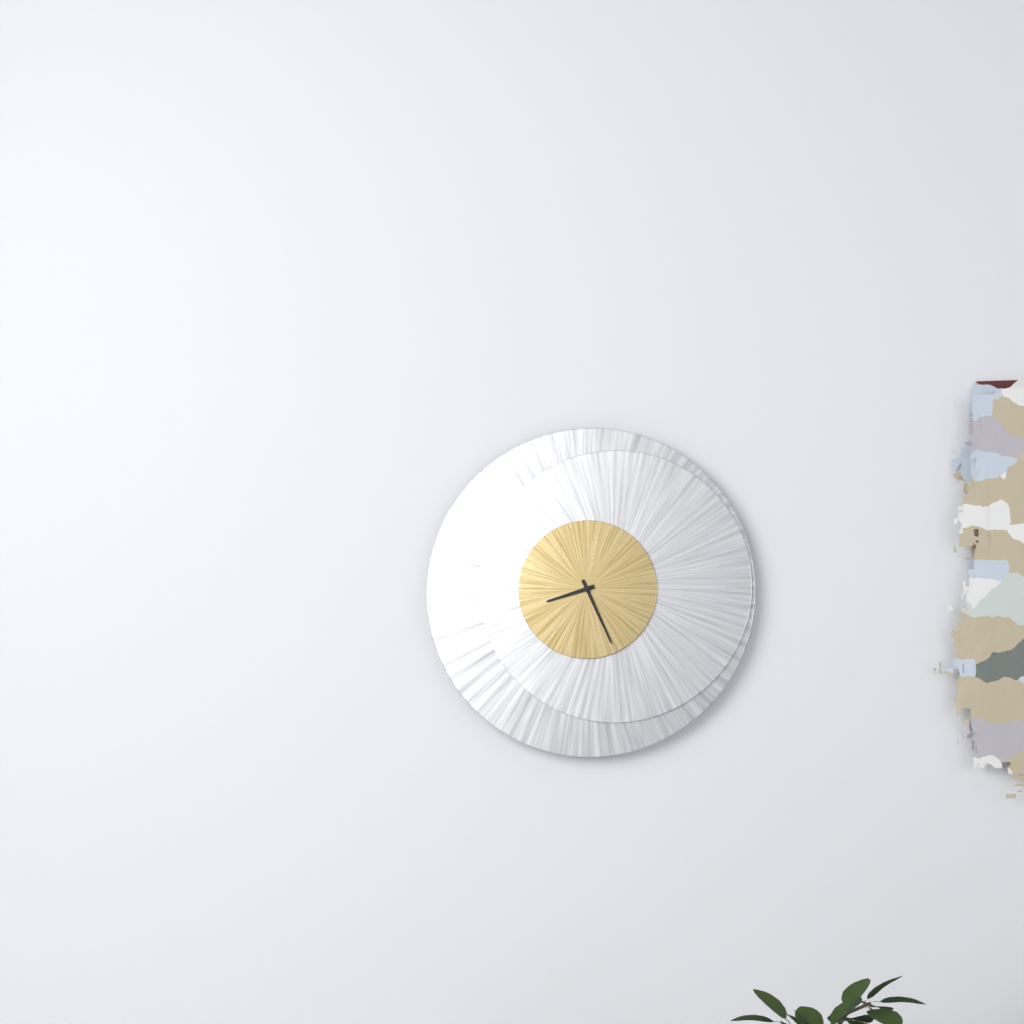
8:26
